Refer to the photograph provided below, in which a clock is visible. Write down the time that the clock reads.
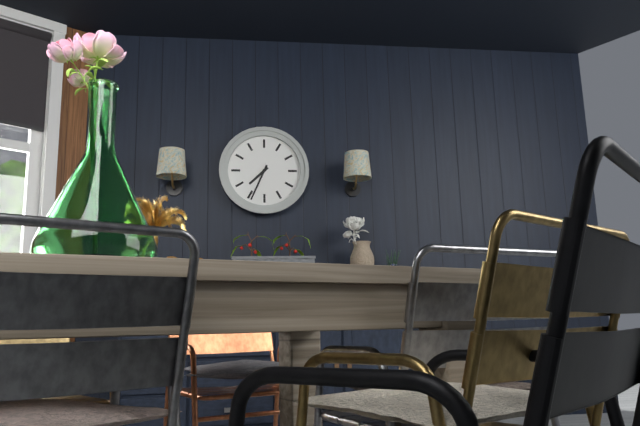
7:34
